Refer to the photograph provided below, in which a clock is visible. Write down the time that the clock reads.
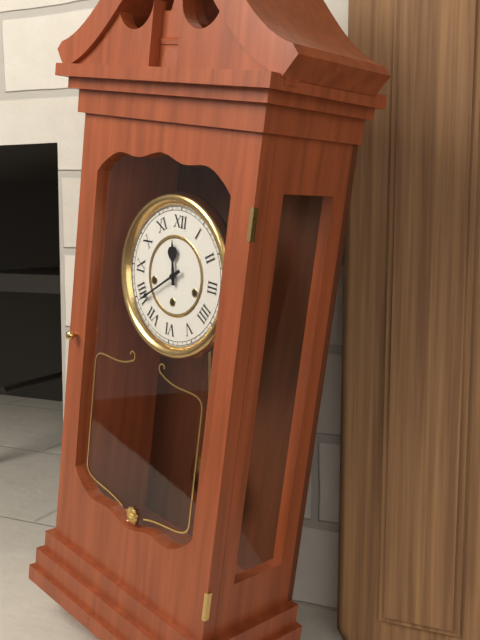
11:39
